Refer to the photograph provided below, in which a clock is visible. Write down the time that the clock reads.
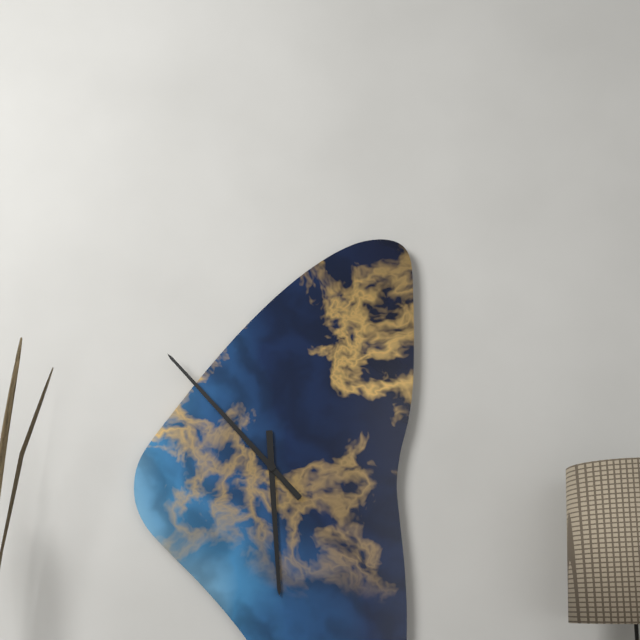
5:53
